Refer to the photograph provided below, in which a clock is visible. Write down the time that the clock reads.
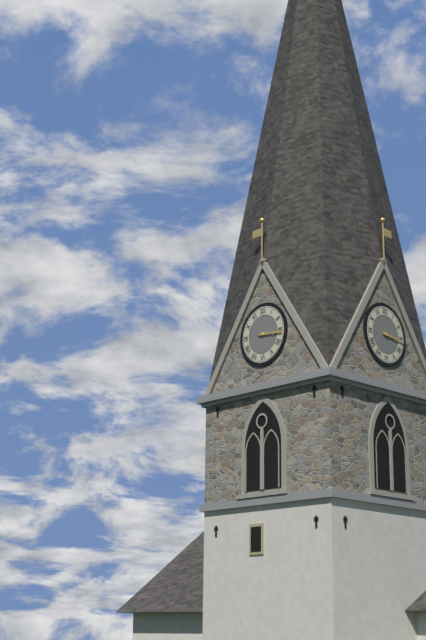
3:16
